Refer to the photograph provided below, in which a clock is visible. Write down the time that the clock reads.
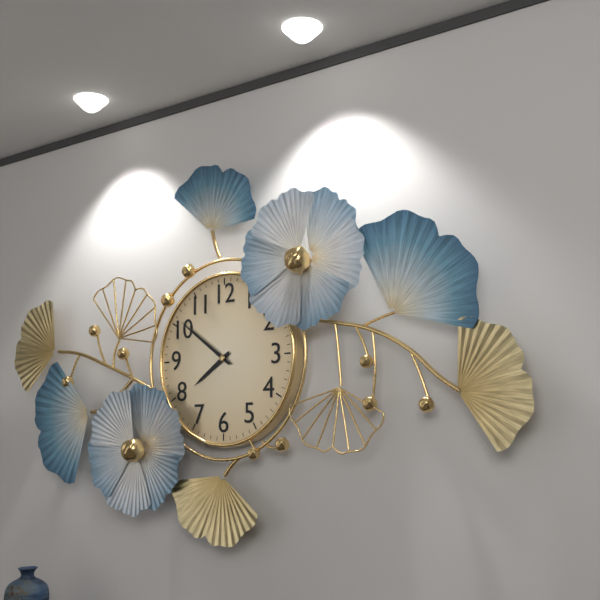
7:51
